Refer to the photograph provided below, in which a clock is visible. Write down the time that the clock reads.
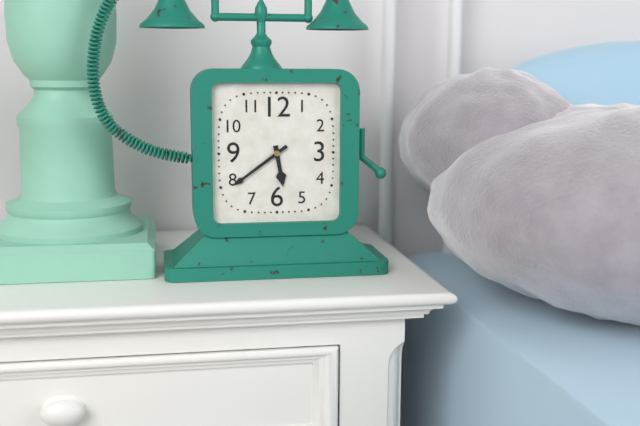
5:39
